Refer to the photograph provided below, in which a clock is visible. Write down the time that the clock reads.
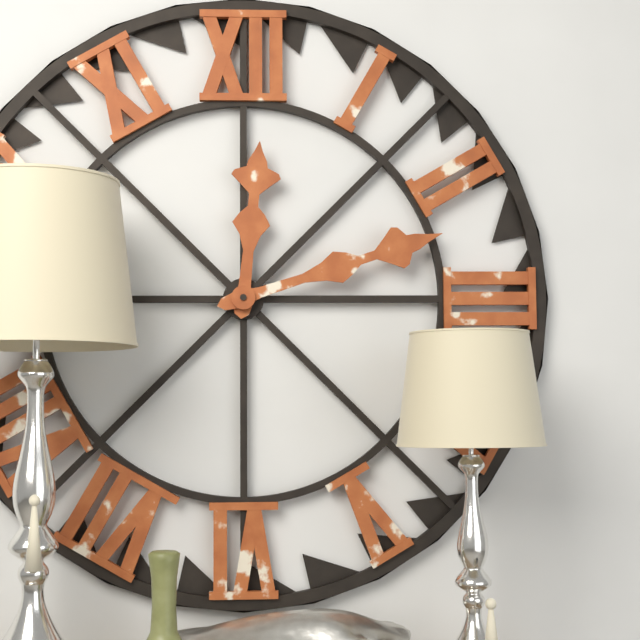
12:12
